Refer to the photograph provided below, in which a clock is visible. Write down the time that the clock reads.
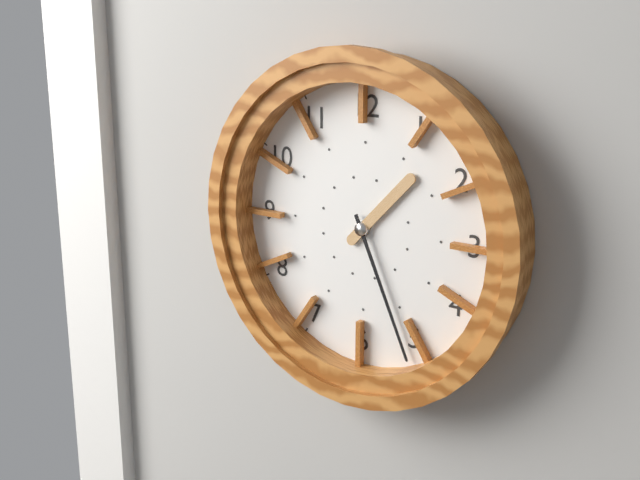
1:26
